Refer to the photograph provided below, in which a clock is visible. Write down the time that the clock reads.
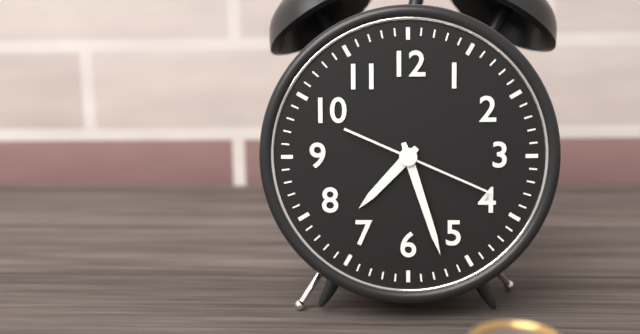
7:27:19
